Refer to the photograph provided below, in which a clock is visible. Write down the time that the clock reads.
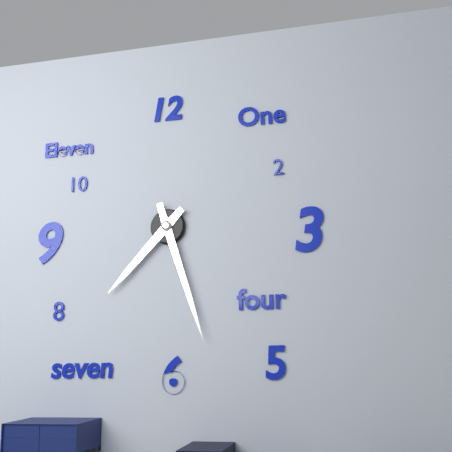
7:27
